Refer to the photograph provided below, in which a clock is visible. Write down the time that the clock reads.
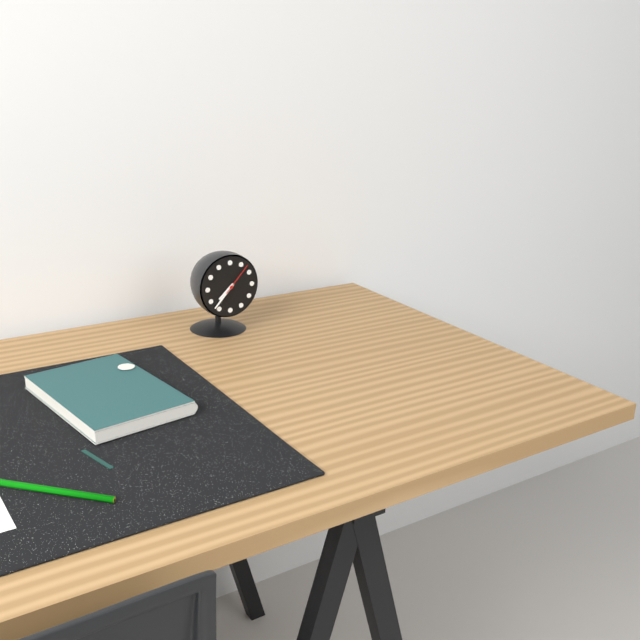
7:37
